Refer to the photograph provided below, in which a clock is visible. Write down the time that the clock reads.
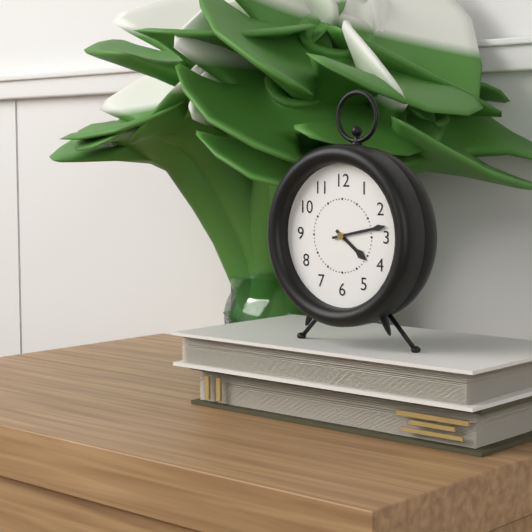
4:13
